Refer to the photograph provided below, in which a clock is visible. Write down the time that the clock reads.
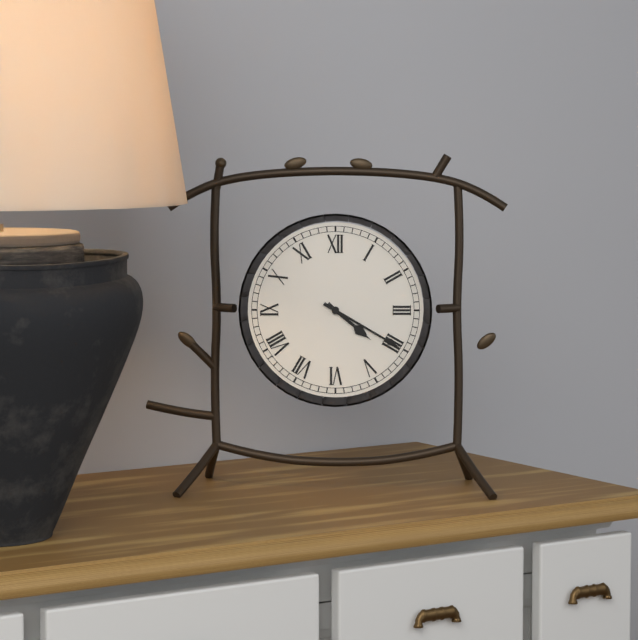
4:20
